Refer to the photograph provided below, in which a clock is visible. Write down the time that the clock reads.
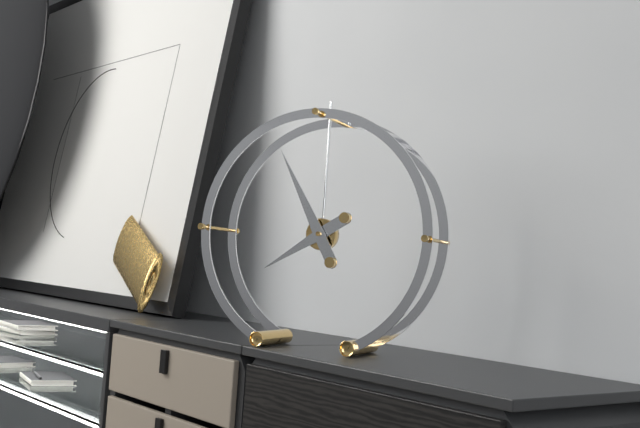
7:55
